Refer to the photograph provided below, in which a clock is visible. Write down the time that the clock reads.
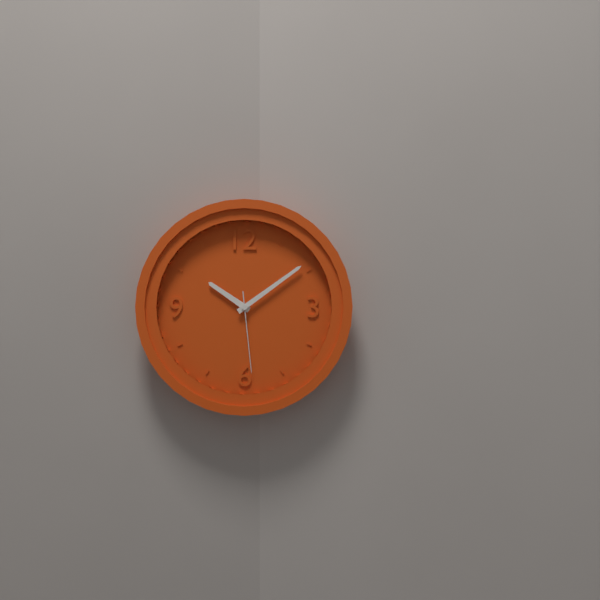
10:09:29
